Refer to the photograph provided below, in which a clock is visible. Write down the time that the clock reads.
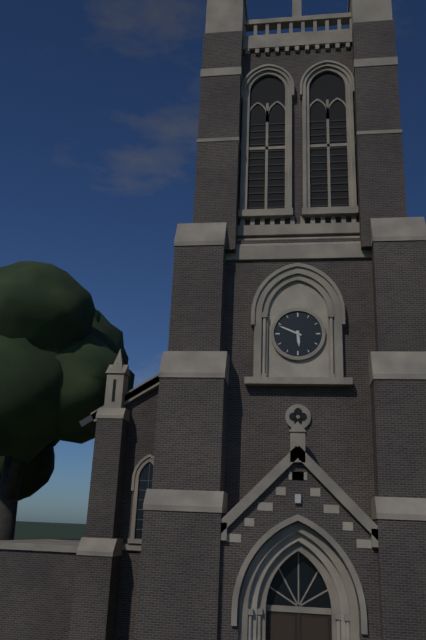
5:49
